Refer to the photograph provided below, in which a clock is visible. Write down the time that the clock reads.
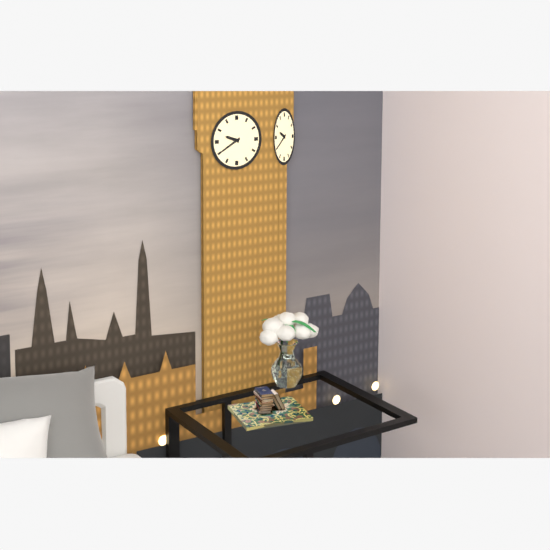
9:40
